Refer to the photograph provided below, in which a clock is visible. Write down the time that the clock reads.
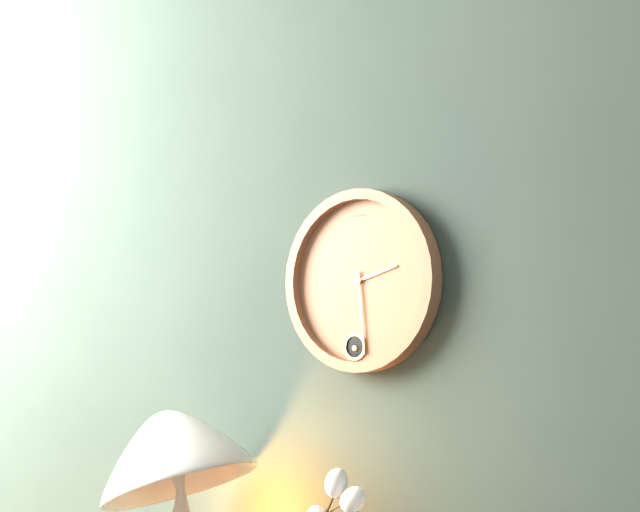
2:29
